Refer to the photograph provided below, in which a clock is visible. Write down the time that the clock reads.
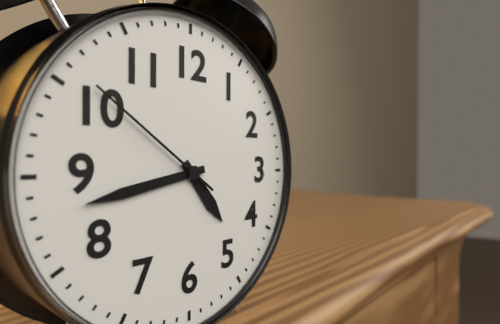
4:43:51
